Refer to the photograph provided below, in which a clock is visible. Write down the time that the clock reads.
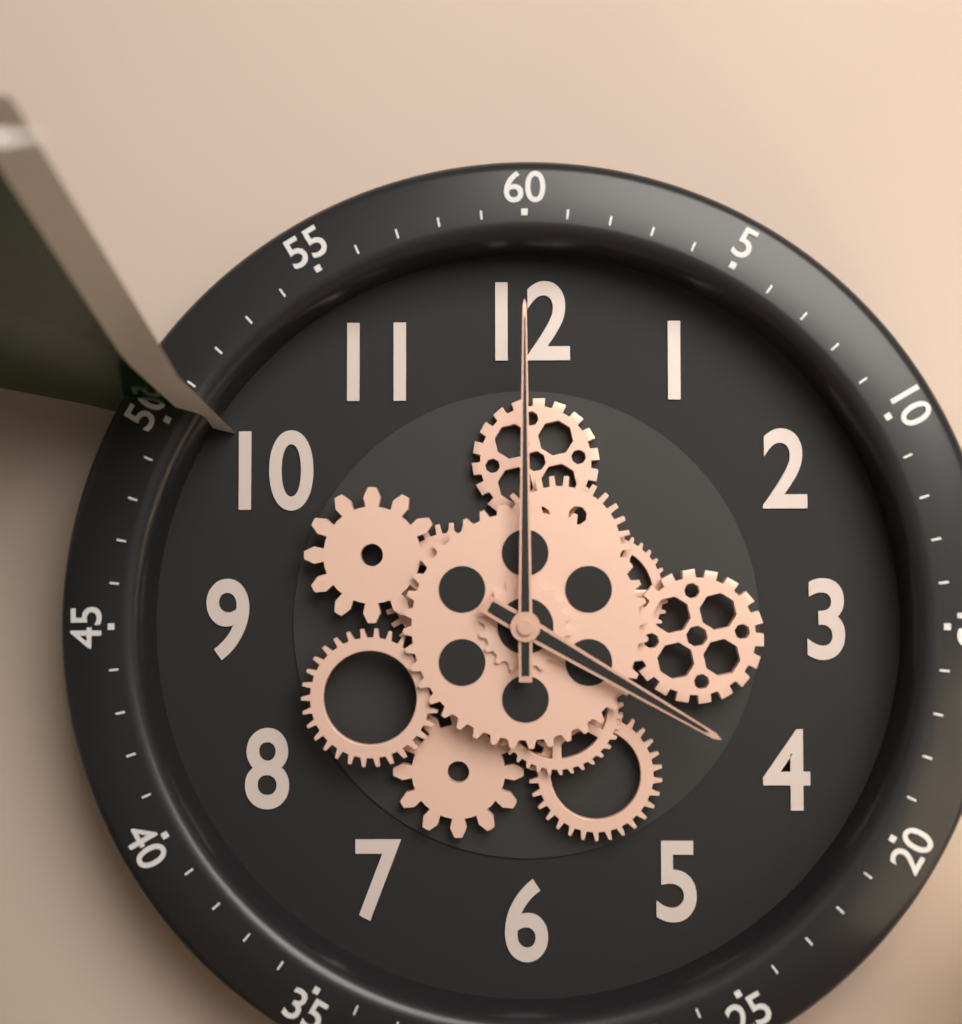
4:00
